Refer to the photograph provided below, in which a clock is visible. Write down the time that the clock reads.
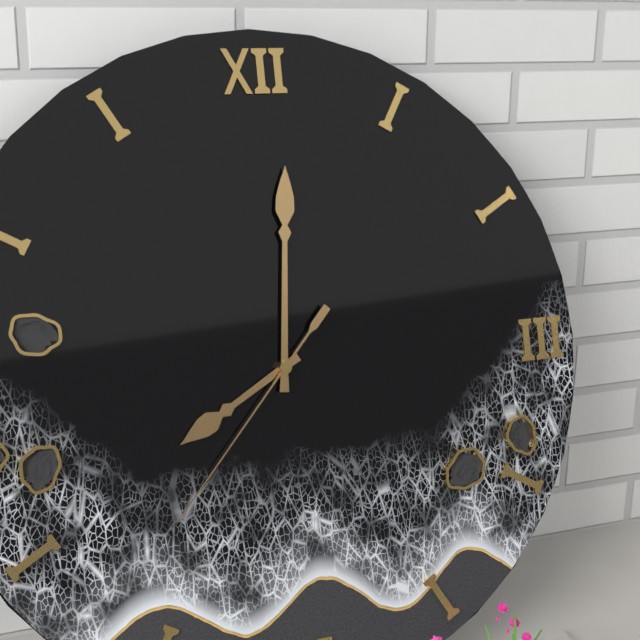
8:01:37
